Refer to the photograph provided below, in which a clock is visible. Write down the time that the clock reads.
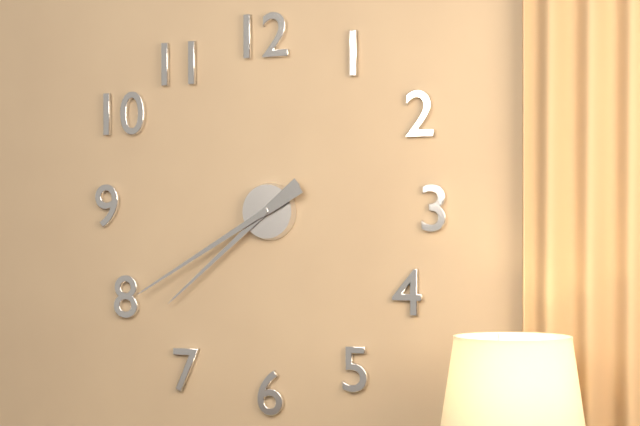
7:40
